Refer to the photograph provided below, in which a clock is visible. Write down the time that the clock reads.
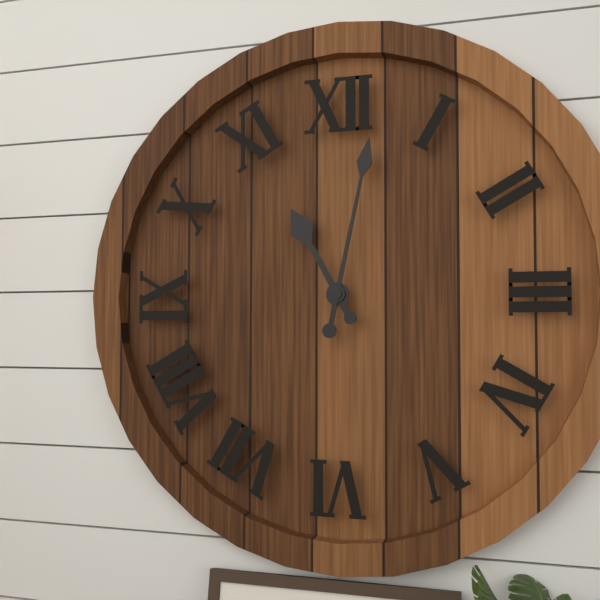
11:02
